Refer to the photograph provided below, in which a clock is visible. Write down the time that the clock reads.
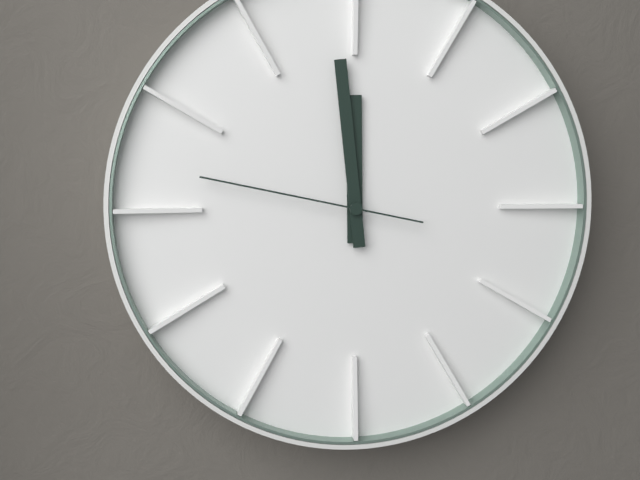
11:59:47
